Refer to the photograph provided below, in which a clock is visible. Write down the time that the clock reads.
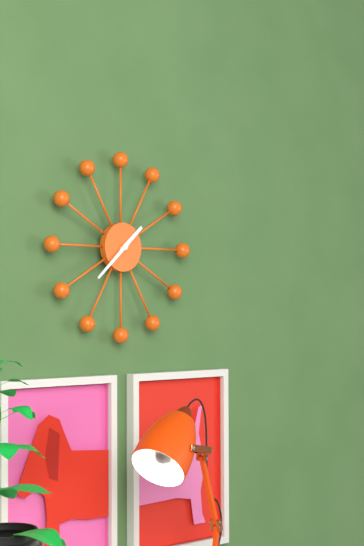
1:38
